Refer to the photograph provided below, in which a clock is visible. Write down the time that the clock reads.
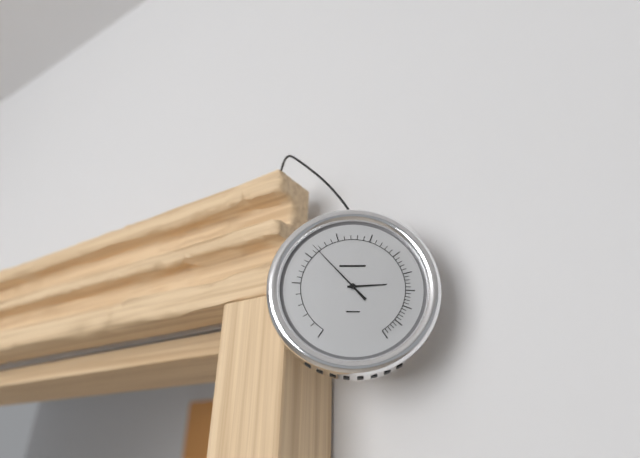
2:53
